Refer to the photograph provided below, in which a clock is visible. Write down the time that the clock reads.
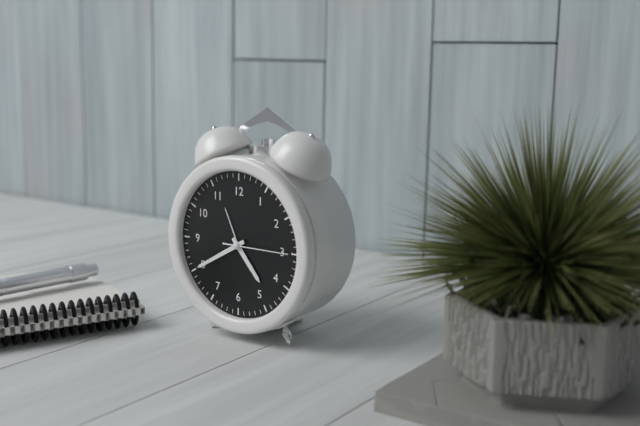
4:40:15
